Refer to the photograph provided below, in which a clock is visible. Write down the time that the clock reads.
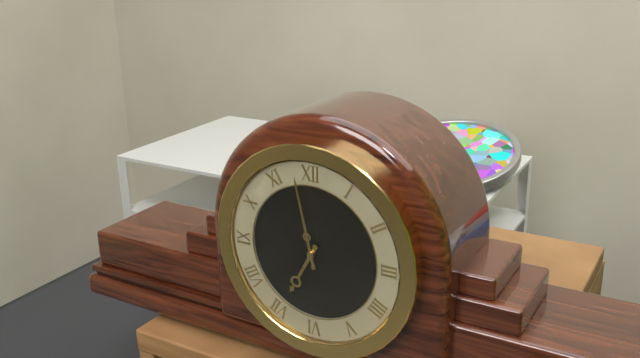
6:58
